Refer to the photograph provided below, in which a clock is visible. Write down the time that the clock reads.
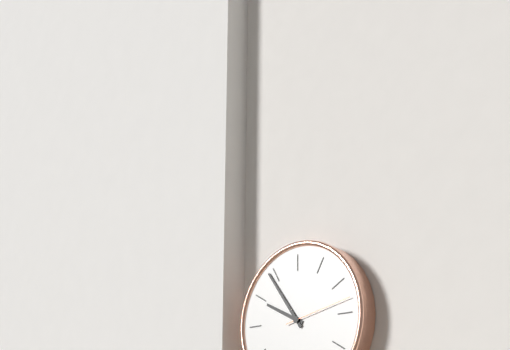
9:54:13
